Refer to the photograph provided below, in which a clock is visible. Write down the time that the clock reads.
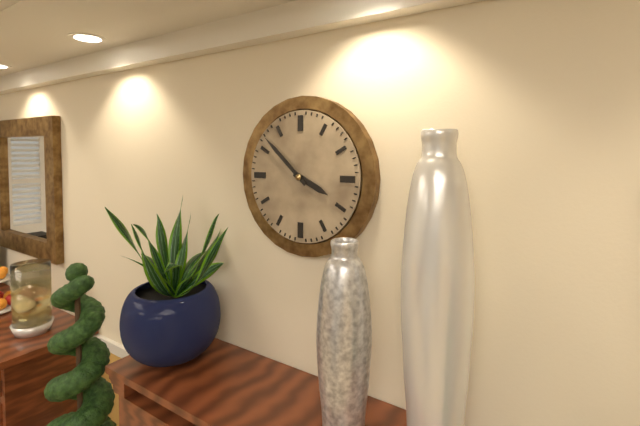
3:52
